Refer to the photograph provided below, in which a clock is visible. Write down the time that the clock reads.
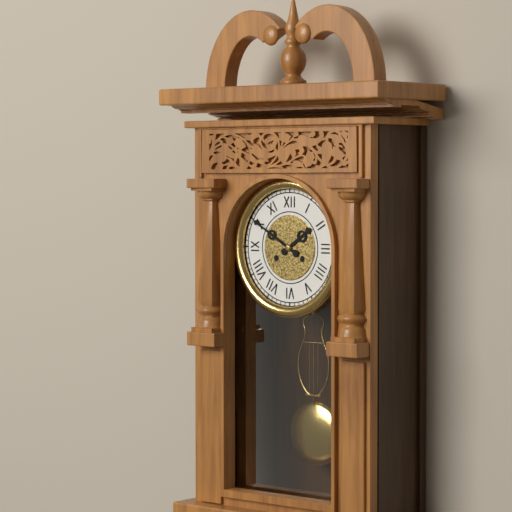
1:50
